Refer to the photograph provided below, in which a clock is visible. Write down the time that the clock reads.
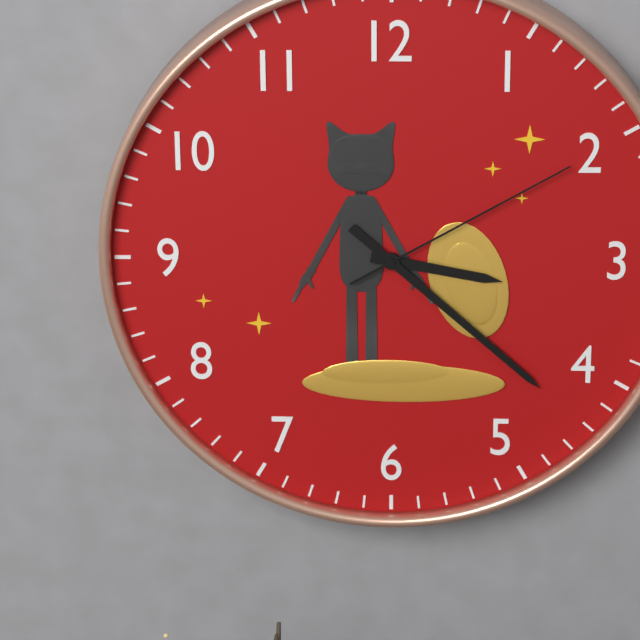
3:22:10
